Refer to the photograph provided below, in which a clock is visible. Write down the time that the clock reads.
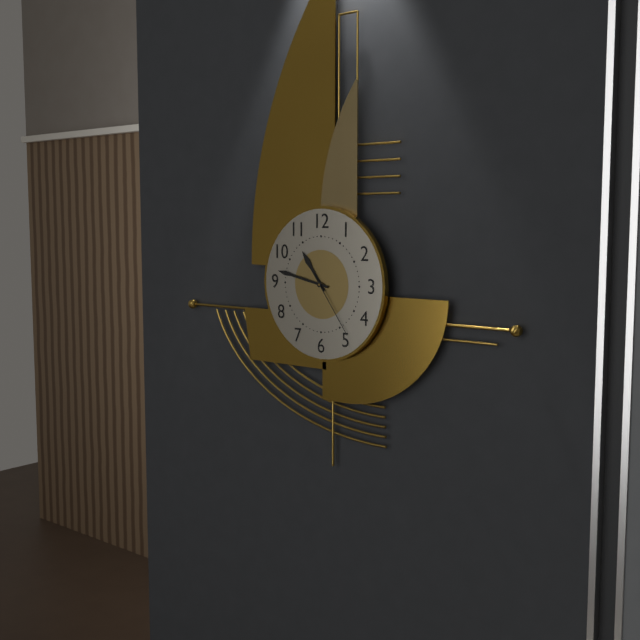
10:47:24
